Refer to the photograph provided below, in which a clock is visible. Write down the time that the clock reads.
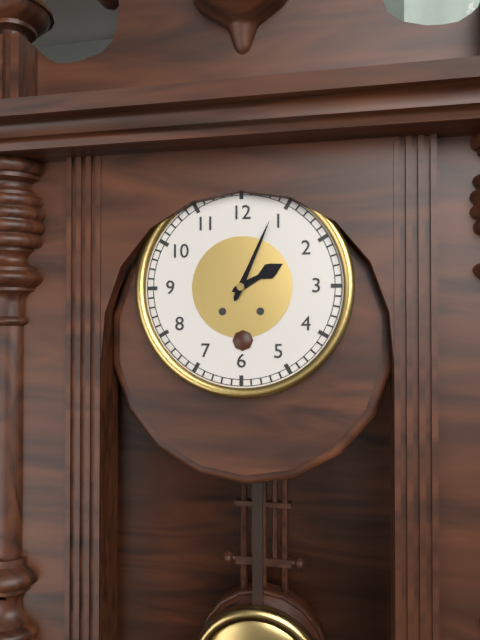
2:04
